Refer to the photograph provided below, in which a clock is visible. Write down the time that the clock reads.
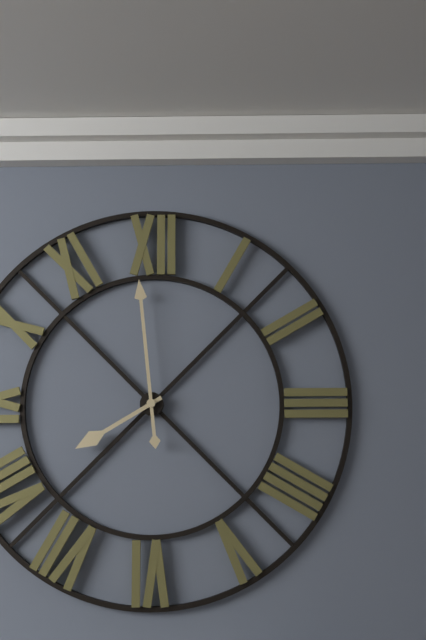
7:59
